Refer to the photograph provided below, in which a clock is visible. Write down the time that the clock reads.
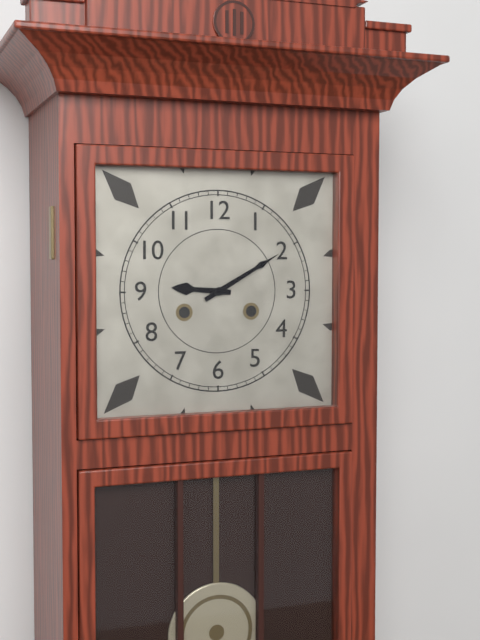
9:10
